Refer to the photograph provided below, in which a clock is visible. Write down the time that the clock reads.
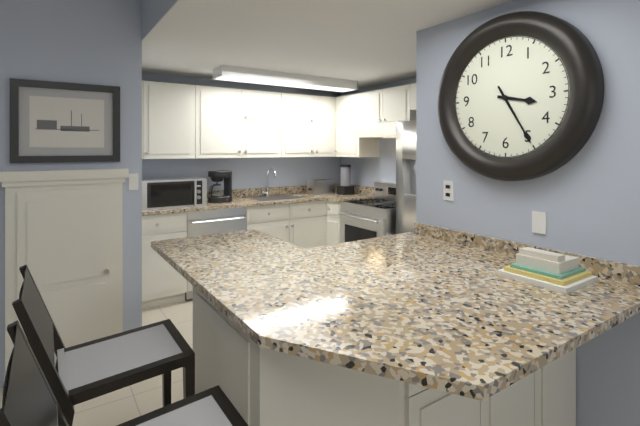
3:25
